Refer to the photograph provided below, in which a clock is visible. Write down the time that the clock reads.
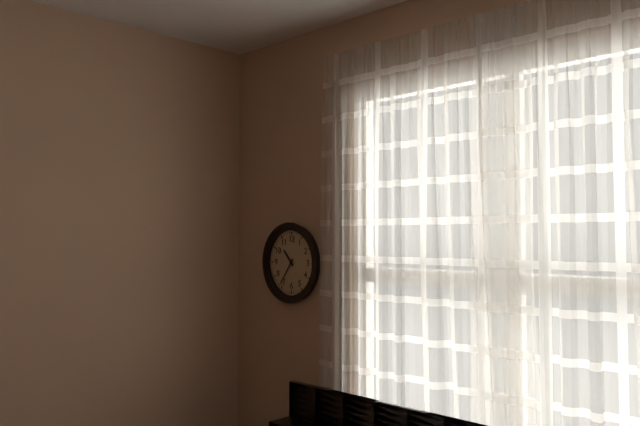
10:36
